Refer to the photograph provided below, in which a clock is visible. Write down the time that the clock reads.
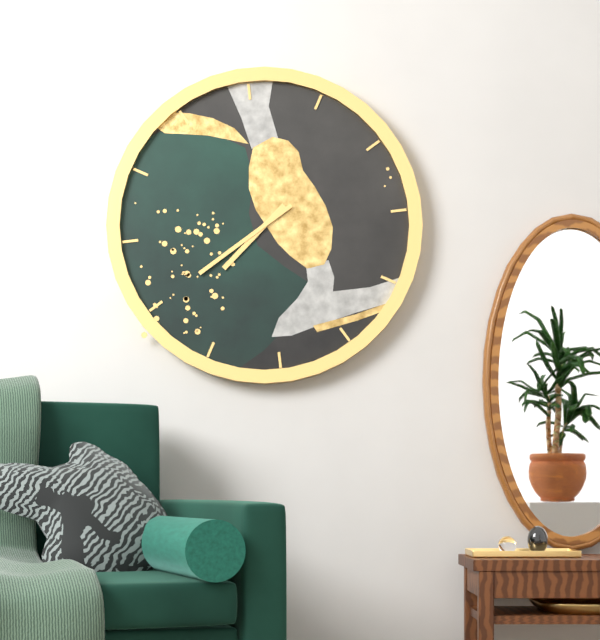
7:40
